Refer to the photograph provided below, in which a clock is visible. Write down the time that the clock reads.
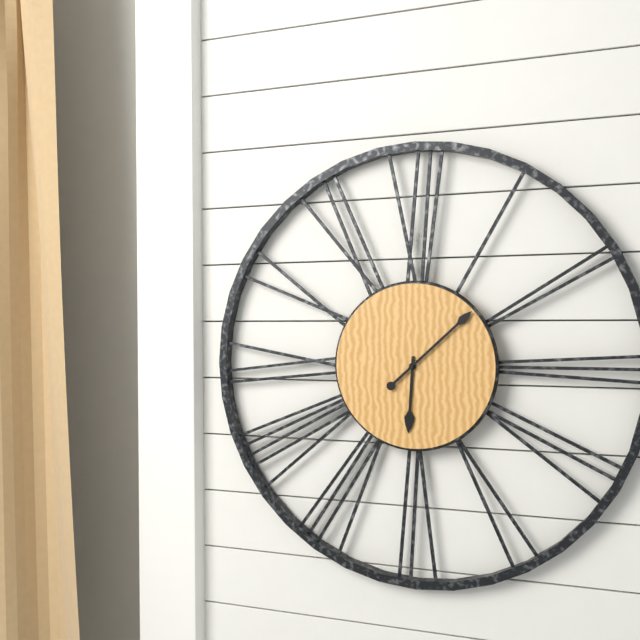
6:08
